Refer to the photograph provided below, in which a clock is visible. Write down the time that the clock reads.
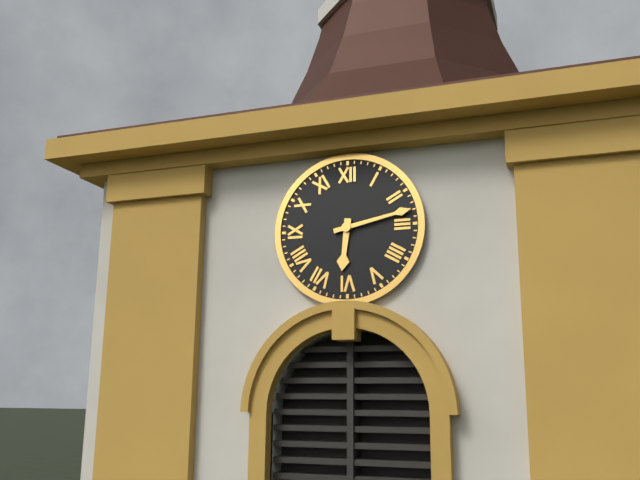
6:13
